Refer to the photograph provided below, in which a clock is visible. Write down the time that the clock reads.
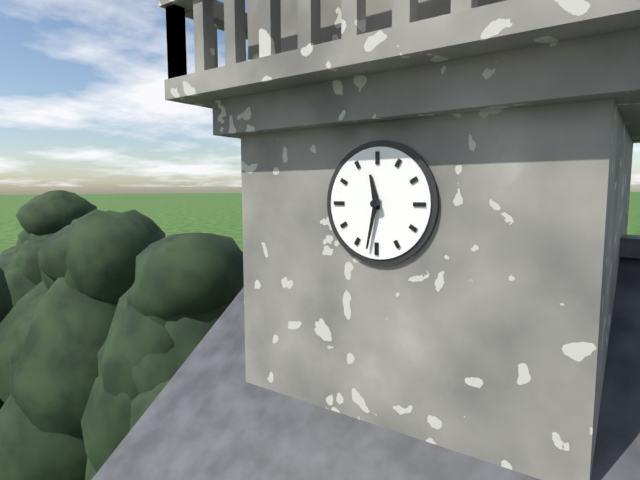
11:32
